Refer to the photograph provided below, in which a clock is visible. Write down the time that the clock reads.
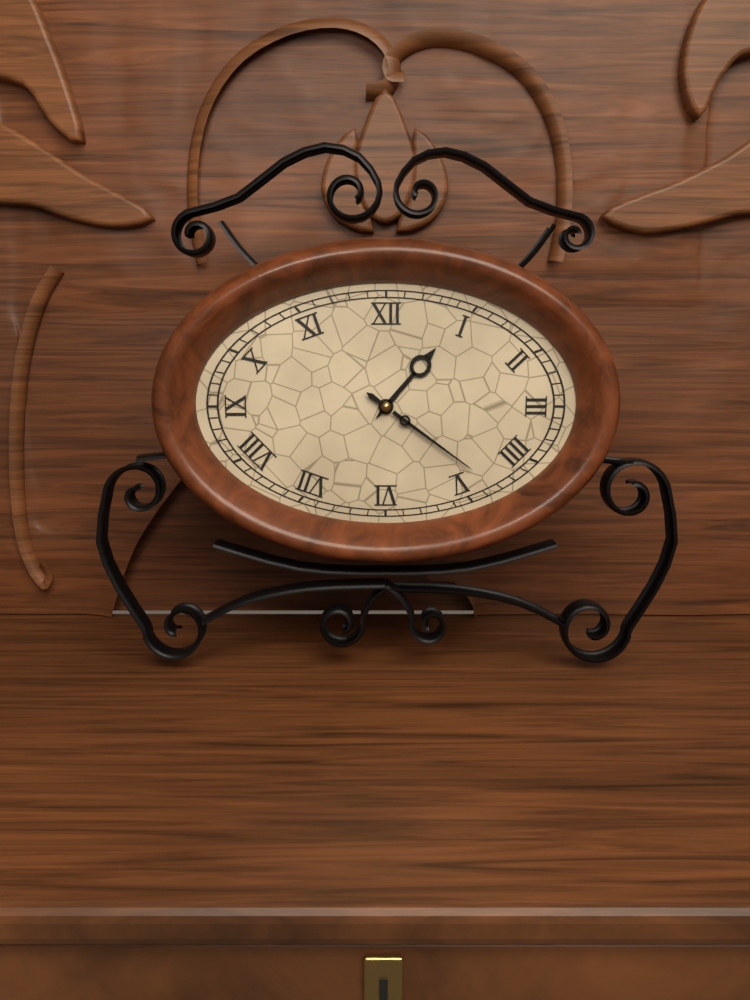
1:21
